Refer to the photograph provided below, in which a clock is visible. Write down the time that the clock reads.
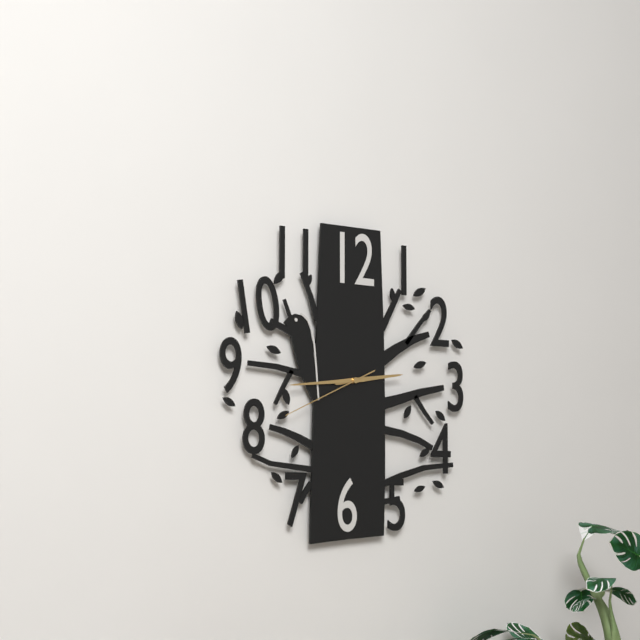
2:44:41
